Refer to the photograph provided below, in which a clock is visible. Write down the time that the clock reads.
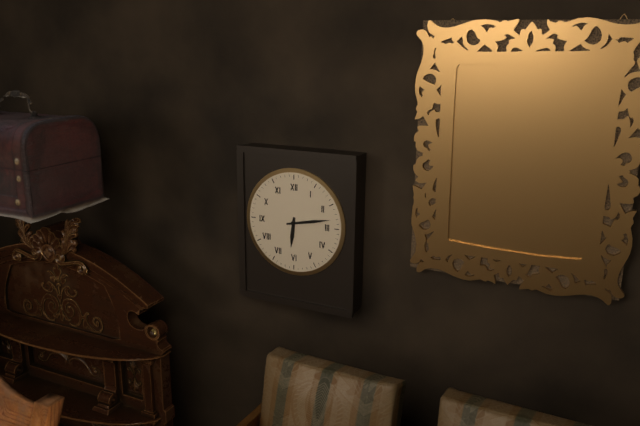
6:13
